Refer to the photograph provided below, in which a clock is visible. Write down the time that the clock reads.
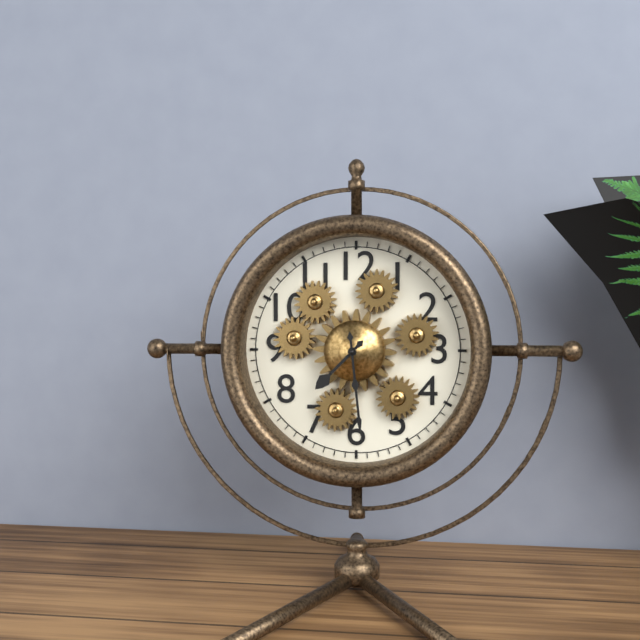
7:29
